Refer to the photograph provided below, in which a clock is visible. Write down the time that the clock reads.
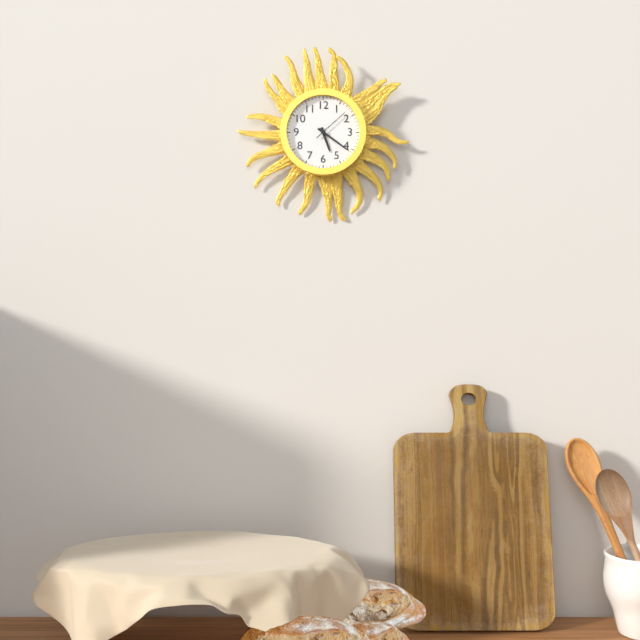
5:21
